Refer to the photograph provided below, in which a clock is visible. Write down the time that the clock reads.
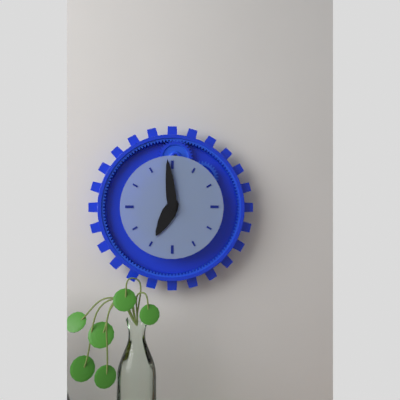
6:59
